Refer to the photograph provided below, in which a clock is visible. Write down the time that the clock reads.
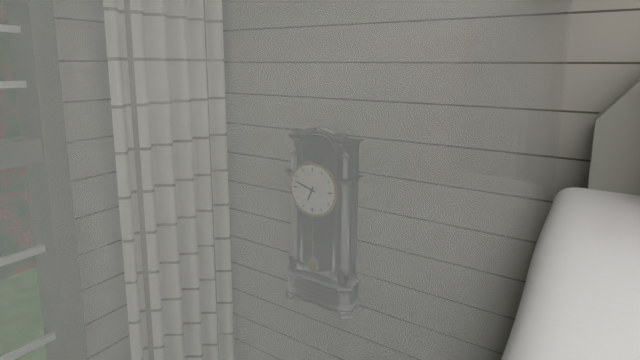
6:48
